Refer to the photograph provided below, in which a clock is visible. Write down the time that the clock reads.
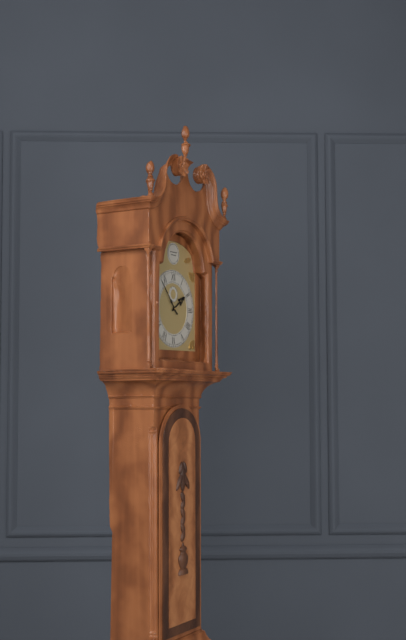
1:53
